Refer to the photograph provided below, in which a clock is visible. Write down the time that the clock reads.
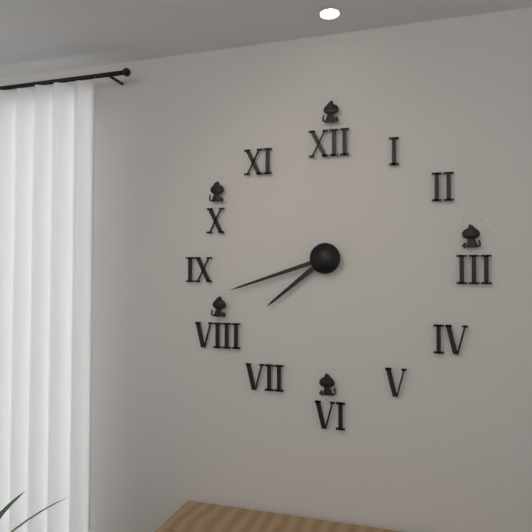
7:42
